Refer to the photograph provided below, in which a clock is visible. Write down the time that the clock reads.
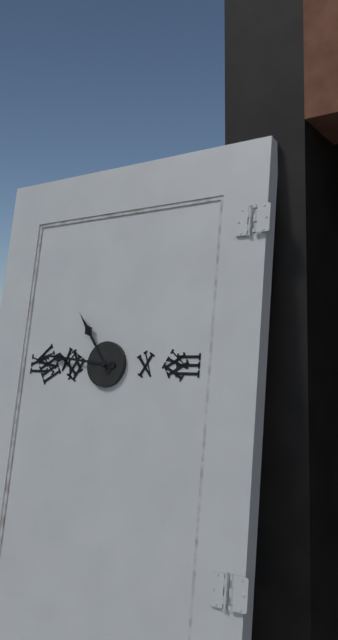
10:46
